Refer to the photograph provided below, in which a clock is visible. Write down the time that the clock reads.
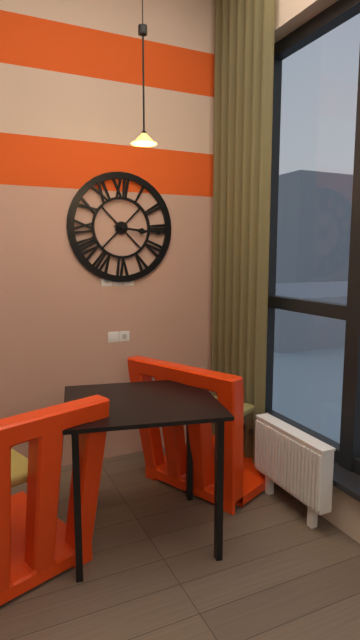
3:16
